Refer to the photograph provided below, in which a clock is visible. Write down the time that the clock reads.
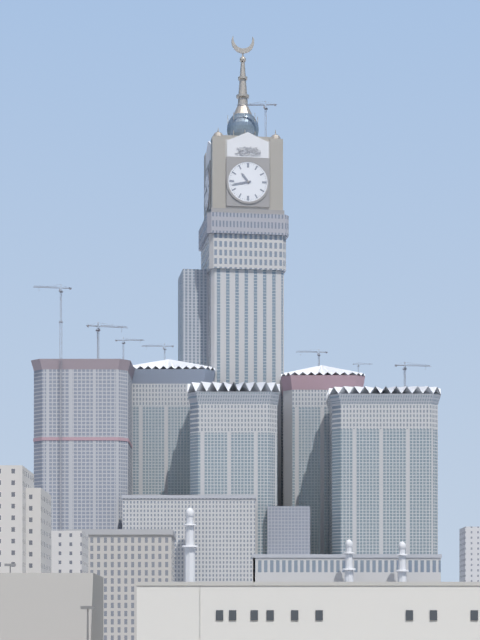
10:43
